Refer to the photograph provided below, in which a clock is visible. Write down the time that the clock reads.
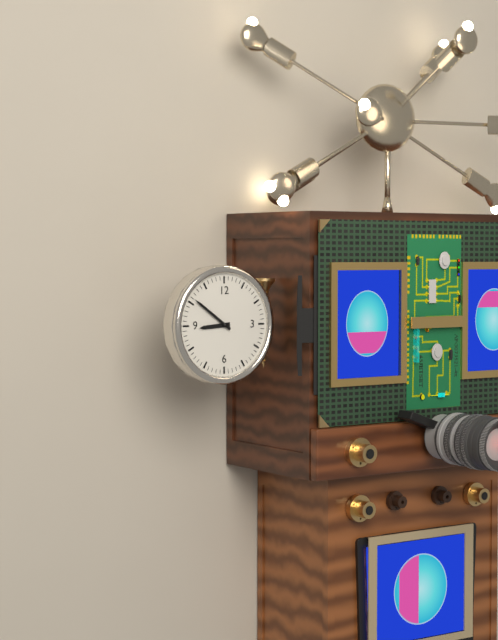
8:51
